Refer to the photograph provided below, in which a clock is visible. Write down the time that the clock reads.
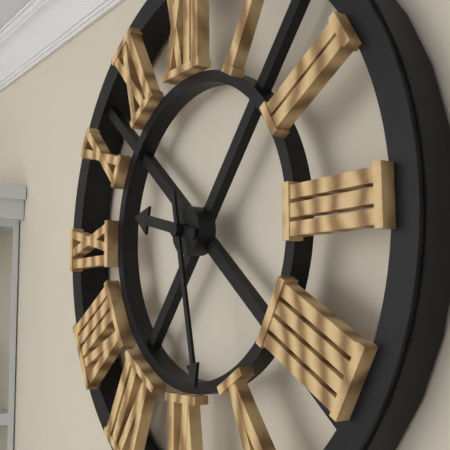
9:28
